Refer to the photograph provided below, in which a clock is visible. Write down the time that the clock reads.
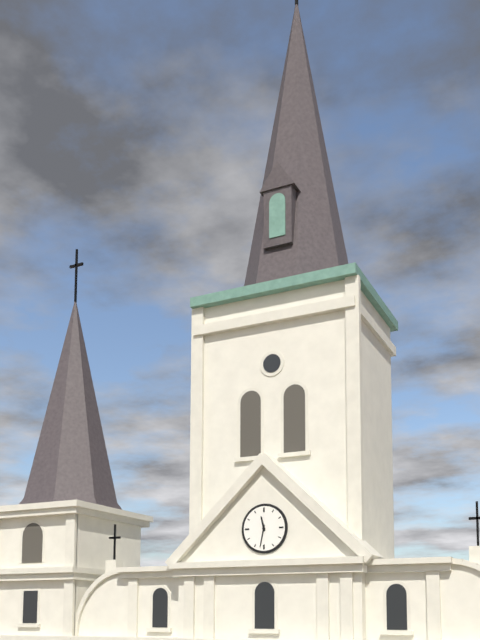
11:32
